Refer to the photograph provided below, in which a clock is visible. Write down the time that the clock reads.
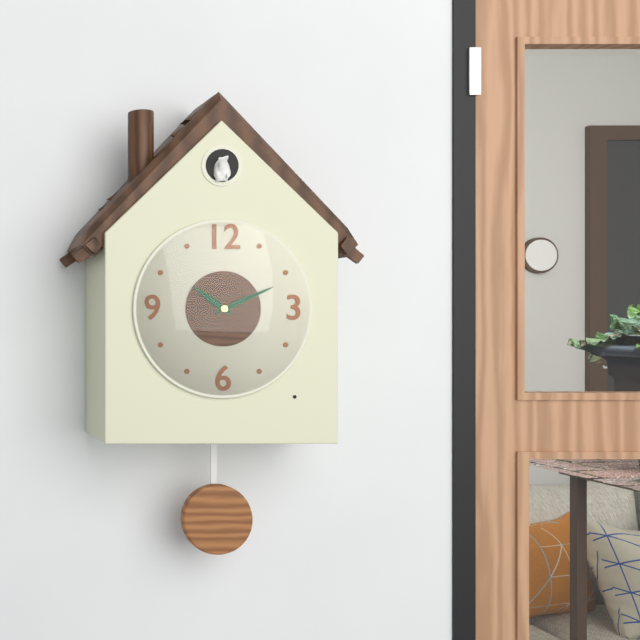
10:11
